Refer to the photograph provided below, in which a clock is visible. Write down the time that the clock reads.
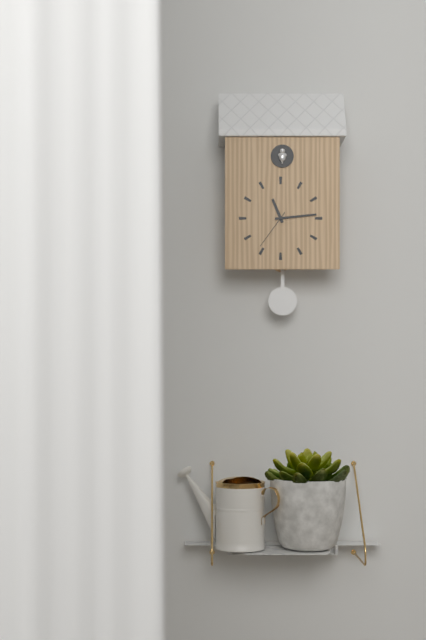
11:14
